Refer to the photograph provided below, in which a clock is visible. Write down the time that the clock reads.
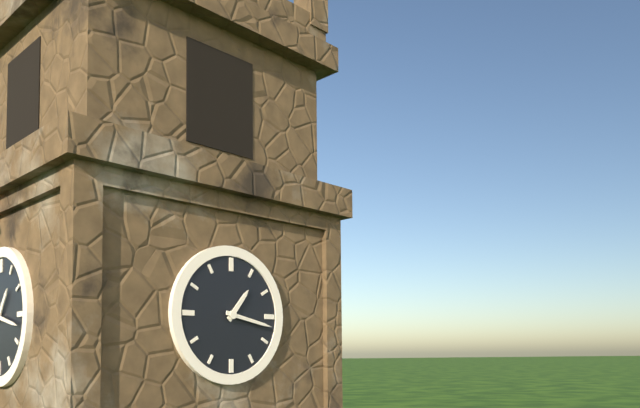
1:17
